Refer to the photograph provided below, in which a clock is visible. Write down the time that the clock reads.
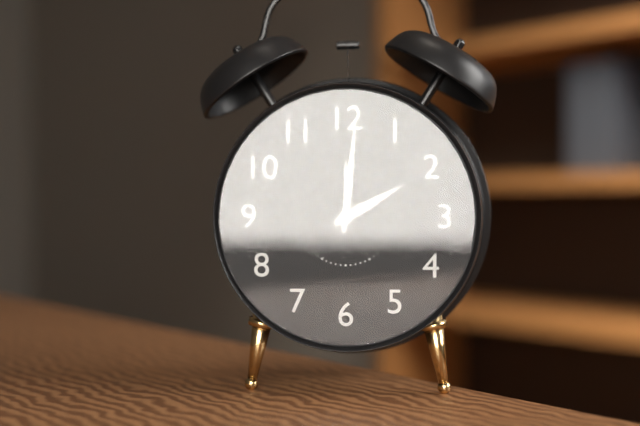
2:01
